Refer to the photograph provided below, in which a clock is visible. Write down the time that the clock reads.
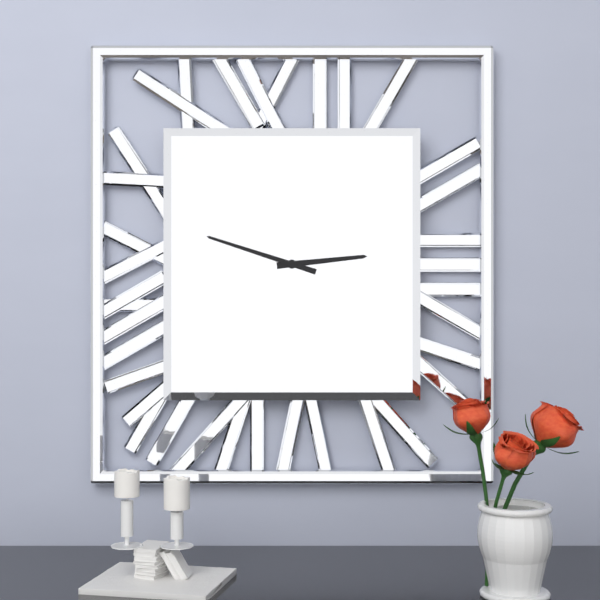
2:48
